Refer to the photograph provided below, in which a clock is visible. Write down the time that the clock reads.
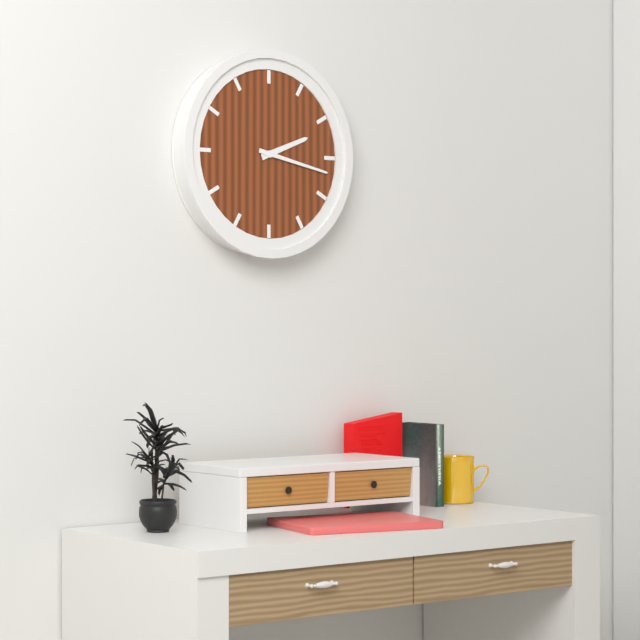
2:17
